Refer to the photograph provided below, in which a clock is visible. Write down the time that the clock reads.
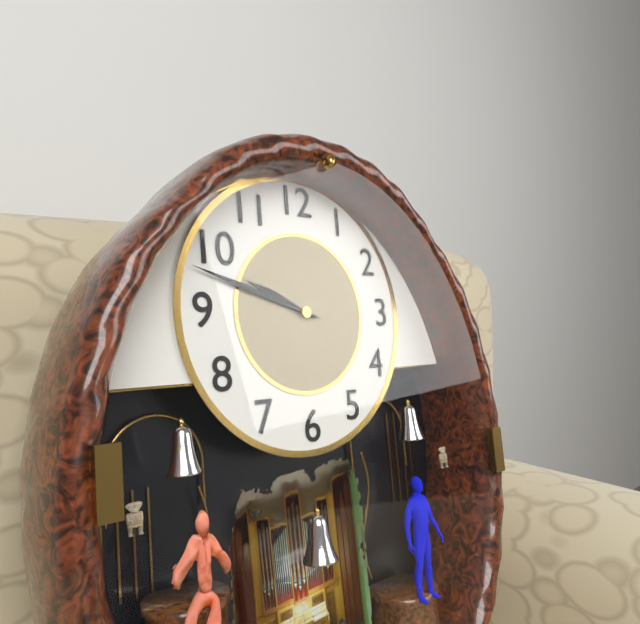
9:48
